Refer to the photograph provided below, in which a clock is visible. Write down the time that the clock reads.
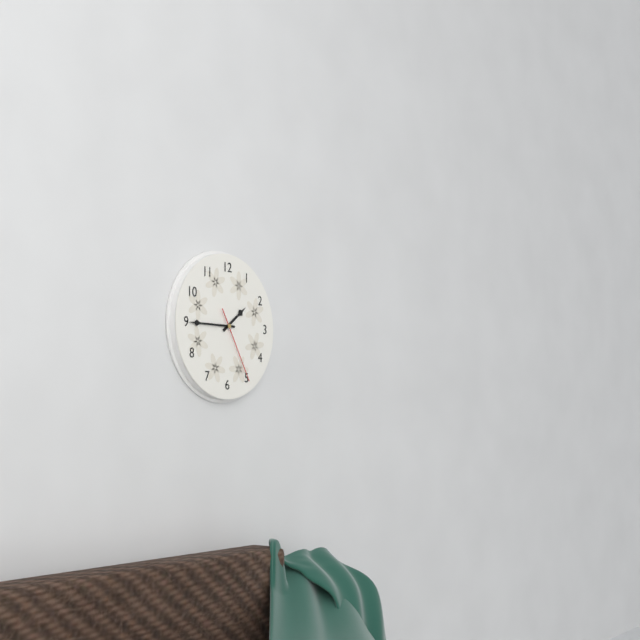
1:45:25
